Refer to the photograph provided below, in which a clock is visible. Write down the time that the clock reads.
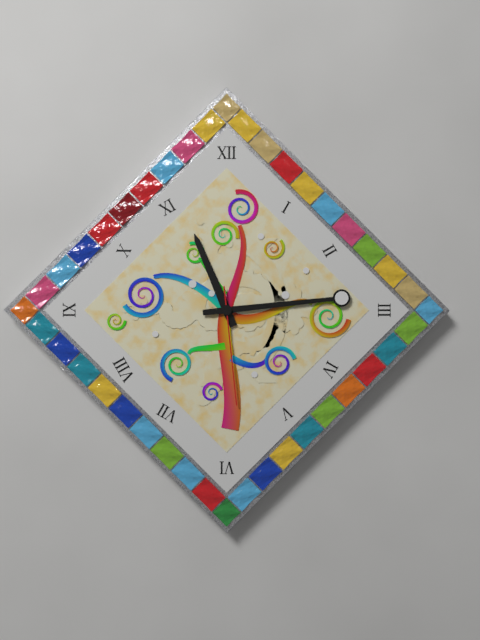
11:14:29
